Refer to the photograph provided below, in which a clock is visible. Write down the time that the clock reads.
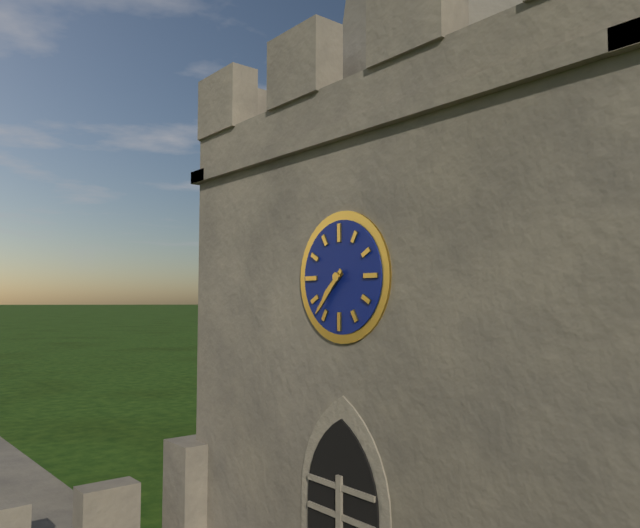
7:37
